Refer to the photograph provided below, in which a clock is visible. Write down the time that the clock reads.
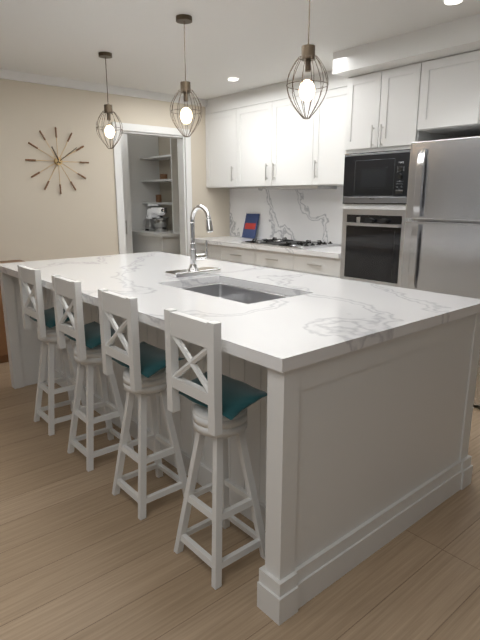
11:09
